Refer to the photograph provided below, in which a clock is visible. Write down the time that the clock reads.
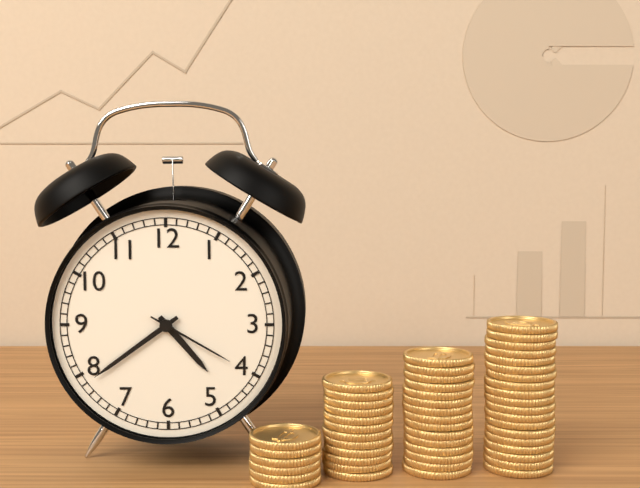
4:39:20
